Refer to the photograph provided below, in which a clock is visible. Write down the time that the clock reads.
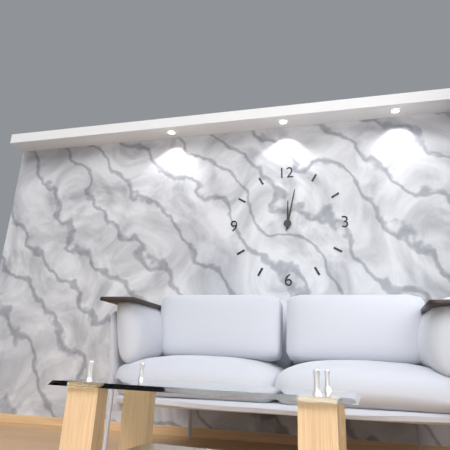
12:02
